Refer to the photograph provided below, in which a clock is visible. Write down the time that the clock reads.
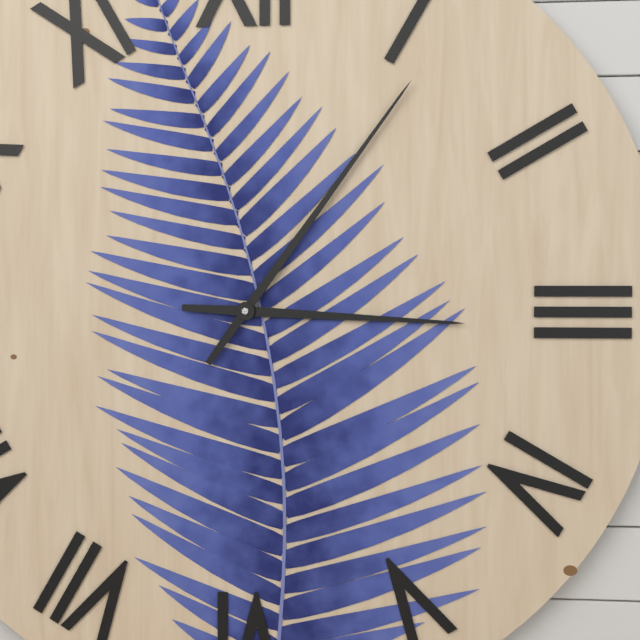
3:06
